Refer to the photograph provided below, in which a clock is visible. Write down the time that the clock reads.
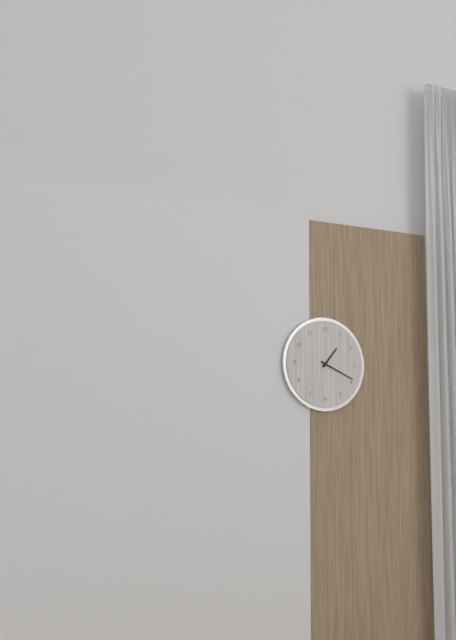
1:19
